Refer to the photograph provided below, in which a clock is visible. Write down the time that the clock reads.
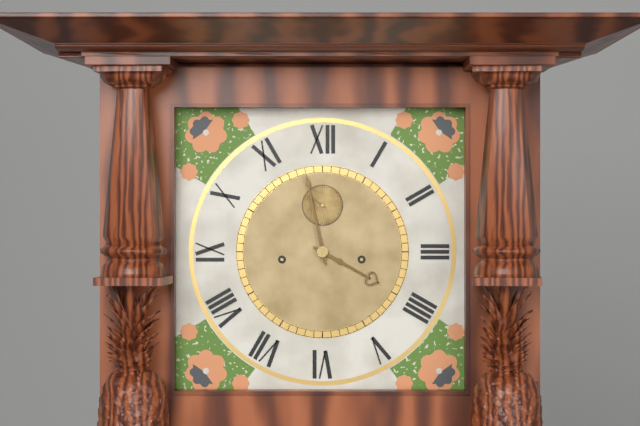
3:58
